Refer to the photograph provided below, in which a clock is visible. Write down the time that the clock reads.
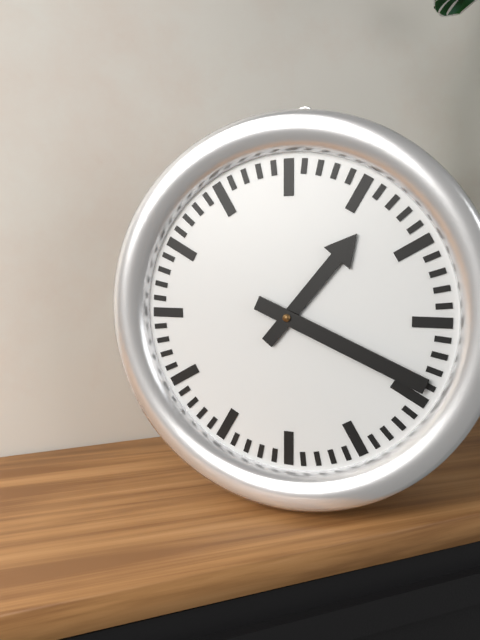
1:19
